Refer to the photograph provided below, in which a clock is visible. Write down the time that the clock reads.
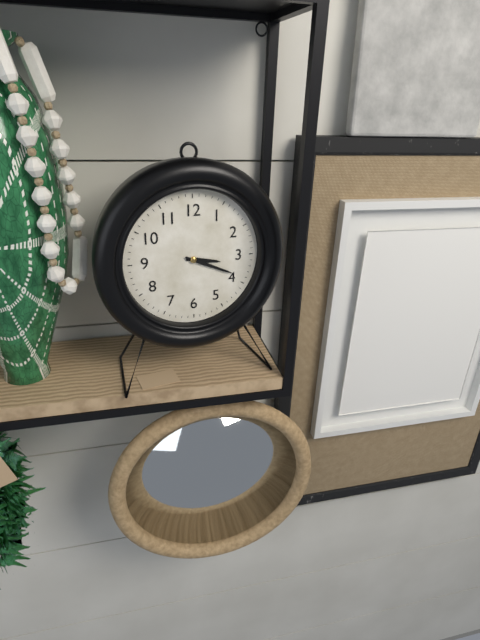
3:19
